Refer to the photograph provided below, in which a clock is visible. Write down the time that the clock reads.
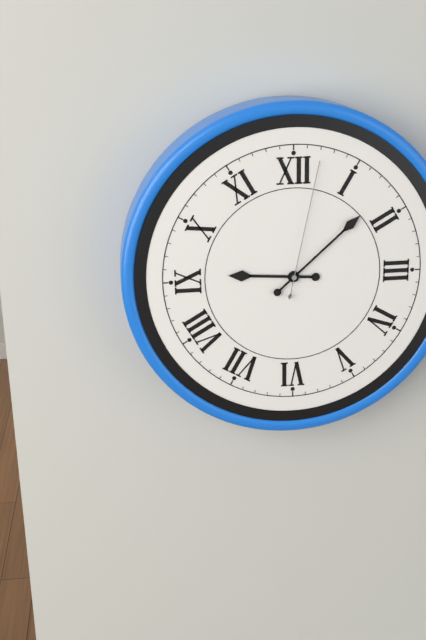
9:08:02
